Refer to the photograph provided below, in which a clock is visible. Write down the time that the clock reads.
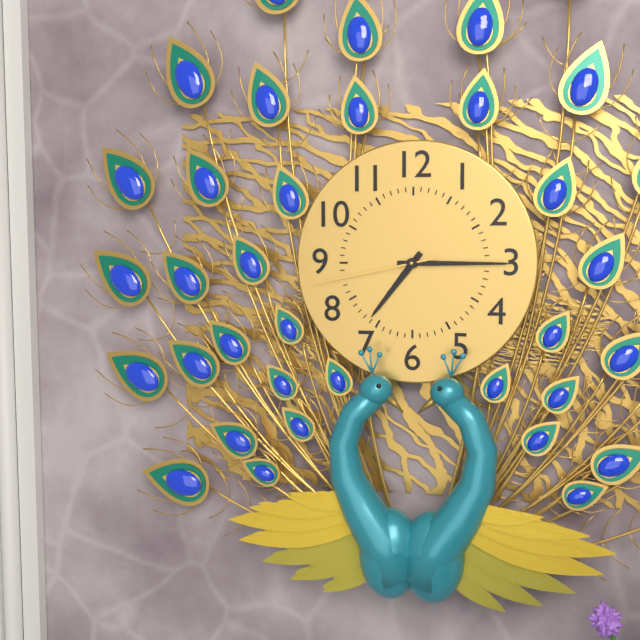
7:15:43
